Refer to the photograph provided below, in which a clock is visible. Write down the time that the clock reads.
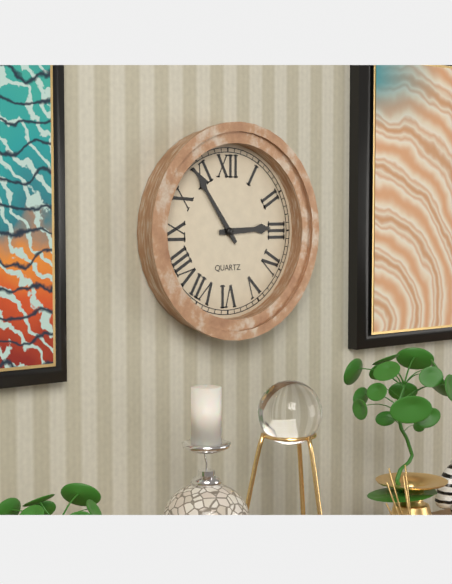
2:54
